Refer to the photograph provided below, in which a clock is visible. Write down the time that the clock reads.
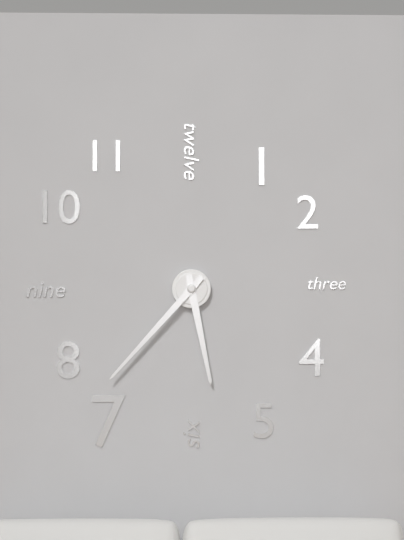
5:37
